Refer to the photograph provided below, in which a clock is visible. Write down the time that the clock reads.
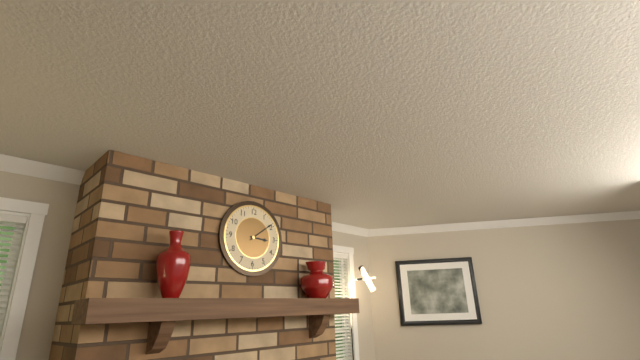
3:09
